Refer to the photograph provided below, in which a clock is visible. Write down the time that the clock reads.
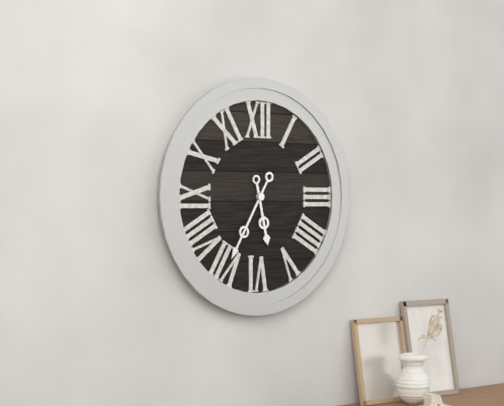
5:35
